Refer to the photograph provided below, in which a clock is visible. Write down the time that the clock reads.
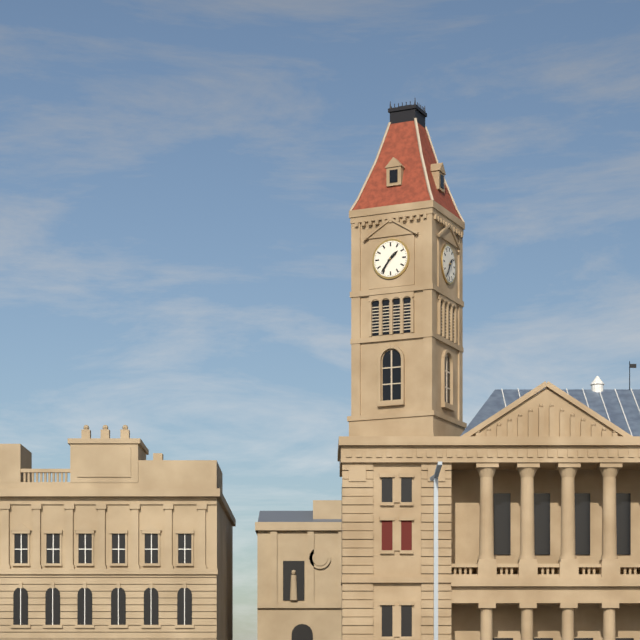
1:36
